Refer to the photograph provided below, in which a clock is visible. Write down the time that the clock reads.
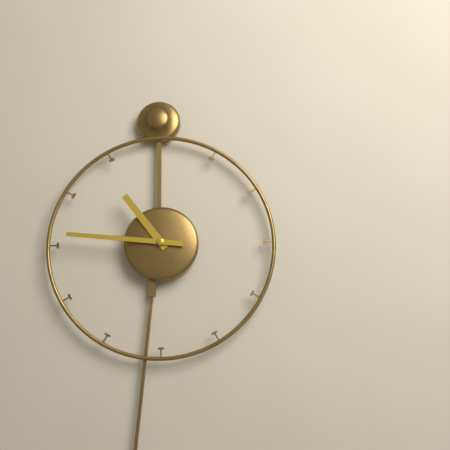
10:46
